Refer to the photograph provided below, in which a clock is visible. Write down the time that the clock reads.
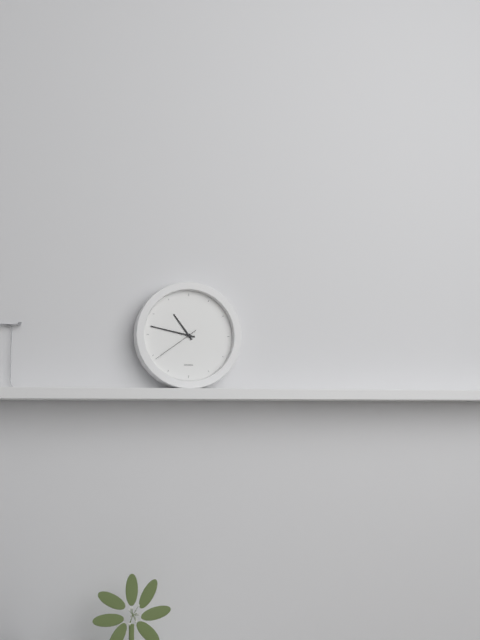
10:47:39
